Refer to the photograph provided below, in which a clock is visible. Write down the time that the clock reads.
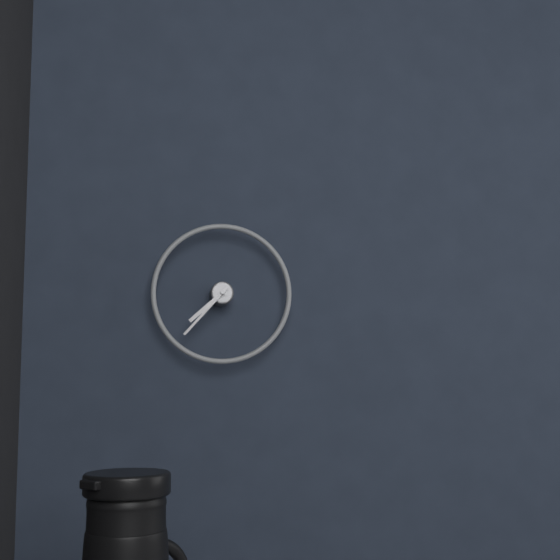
7:37
